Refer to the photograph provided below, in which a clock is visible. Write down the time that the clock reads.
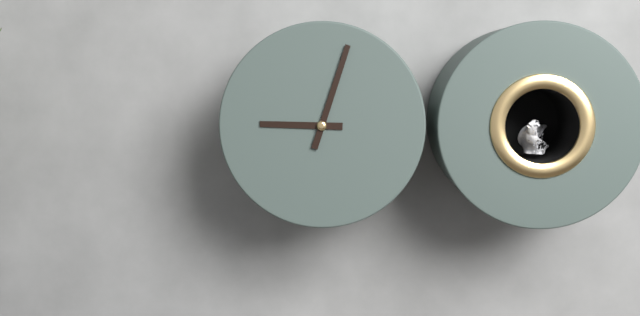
9:03
